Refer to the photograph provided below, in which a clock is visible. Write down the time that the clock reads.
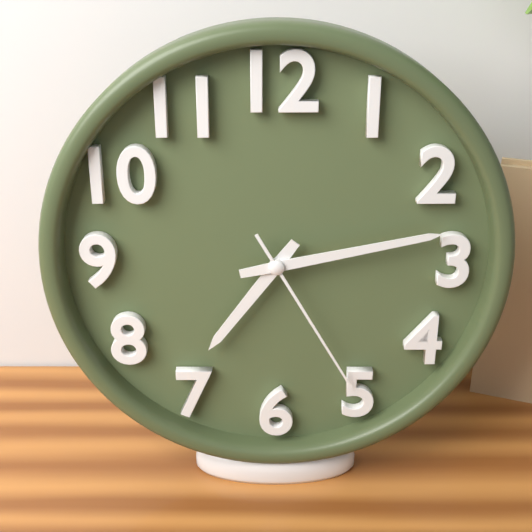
7:13:25
